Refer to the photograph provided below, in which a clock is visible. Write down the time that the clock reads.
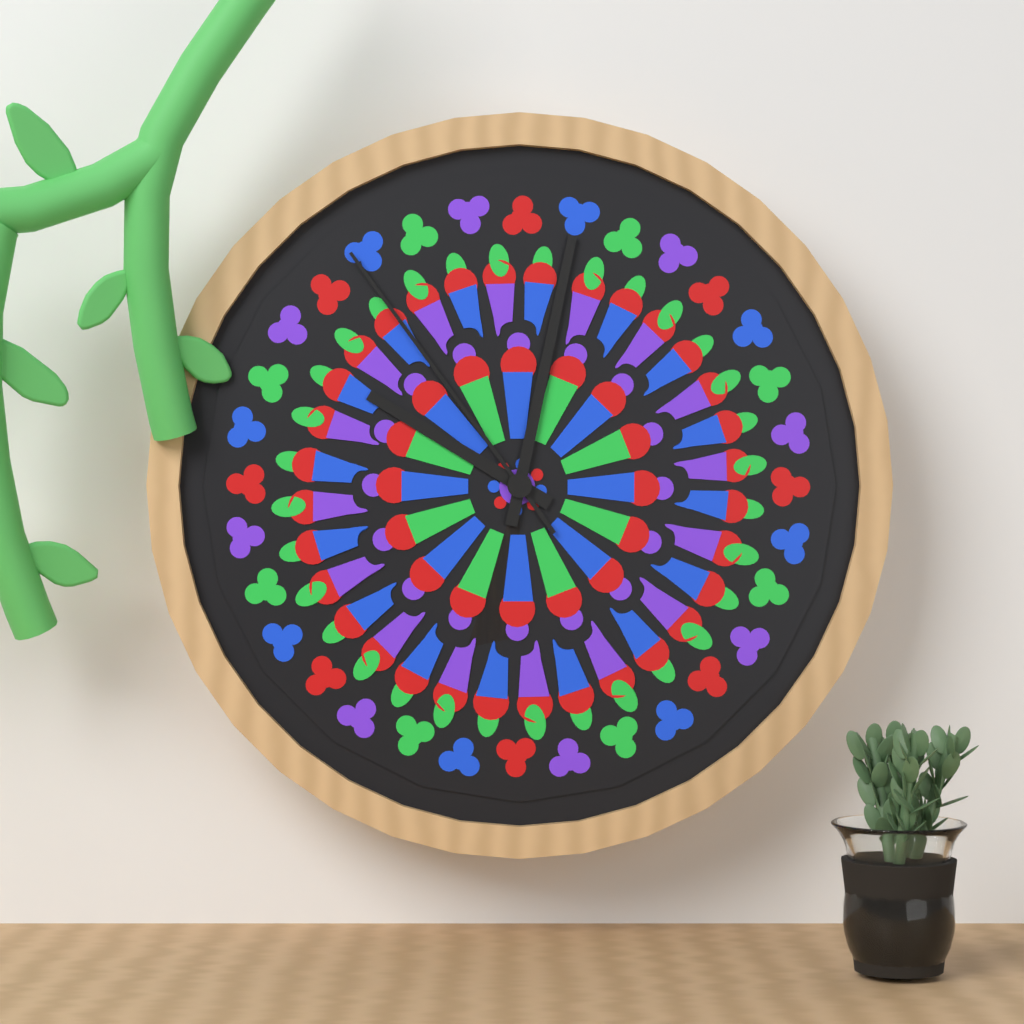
10:02:54
